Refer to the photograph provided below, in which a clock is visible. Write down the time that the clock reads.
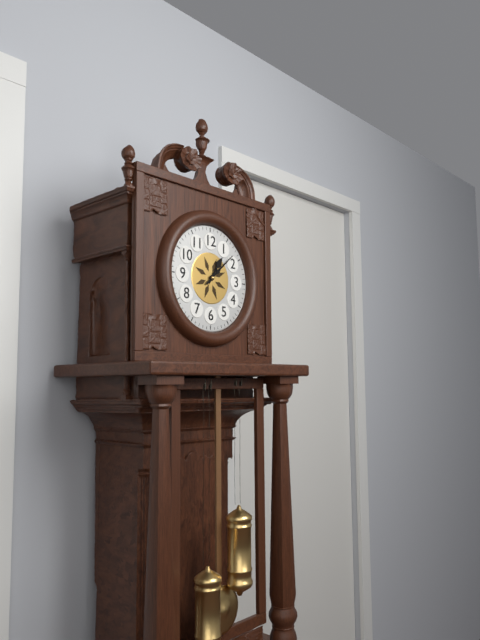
1:08
